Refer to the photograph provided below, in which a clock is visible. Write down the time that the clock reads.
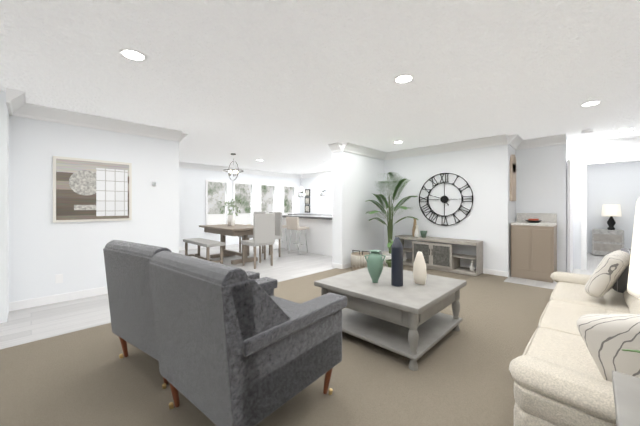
4:48
